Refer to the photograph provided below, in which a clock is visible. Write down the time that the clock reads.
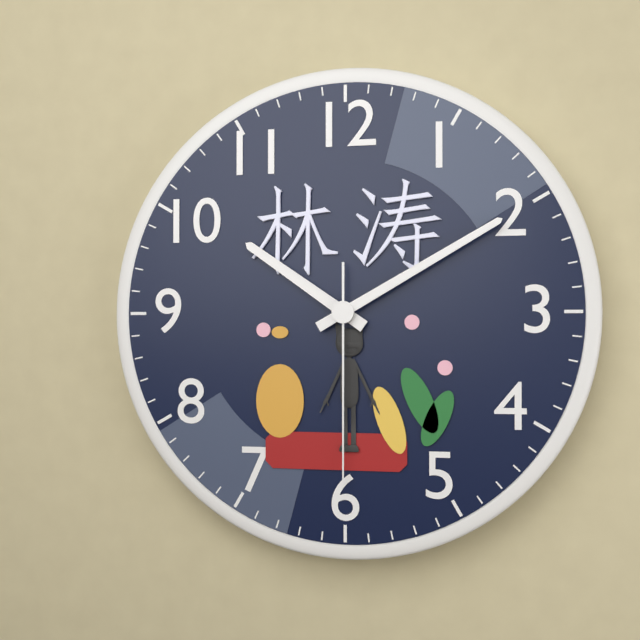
10:10:30
